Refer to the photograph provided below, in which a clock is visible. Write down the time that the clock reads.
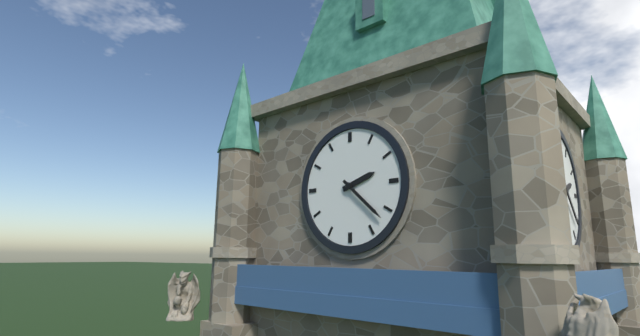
2:22
